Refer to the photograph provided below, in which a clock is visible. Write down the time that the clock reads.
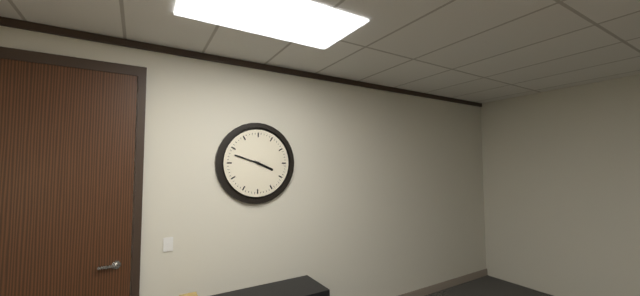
3:48
